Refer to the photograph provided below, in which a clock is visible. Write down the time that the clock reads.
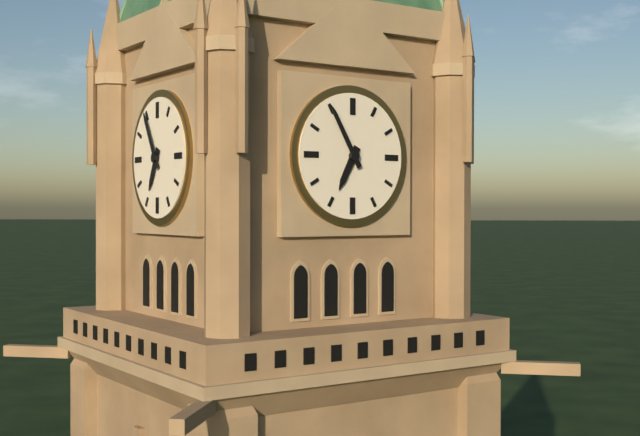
6:55
